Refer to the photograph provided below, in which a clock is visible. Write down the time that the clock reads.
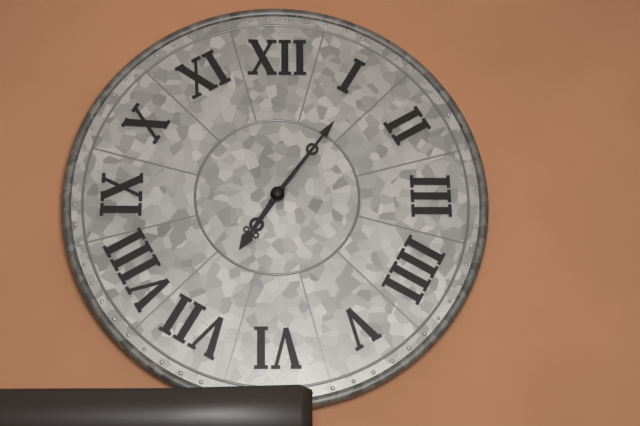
7:06
